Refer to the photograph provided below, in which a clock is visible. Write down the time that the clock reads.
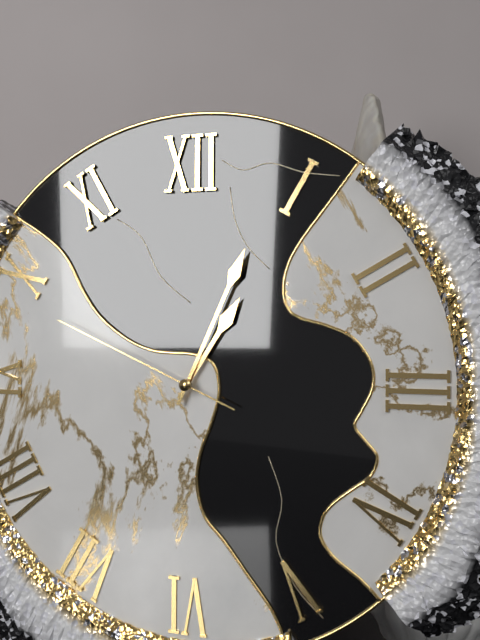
1:04:49
